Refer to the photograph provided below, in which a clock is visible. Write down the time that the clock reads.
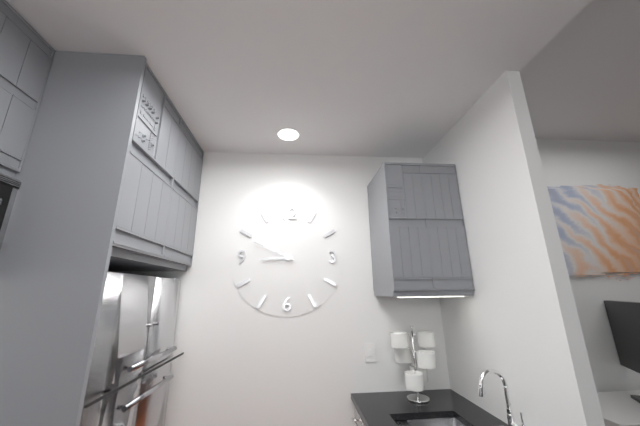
8:49
